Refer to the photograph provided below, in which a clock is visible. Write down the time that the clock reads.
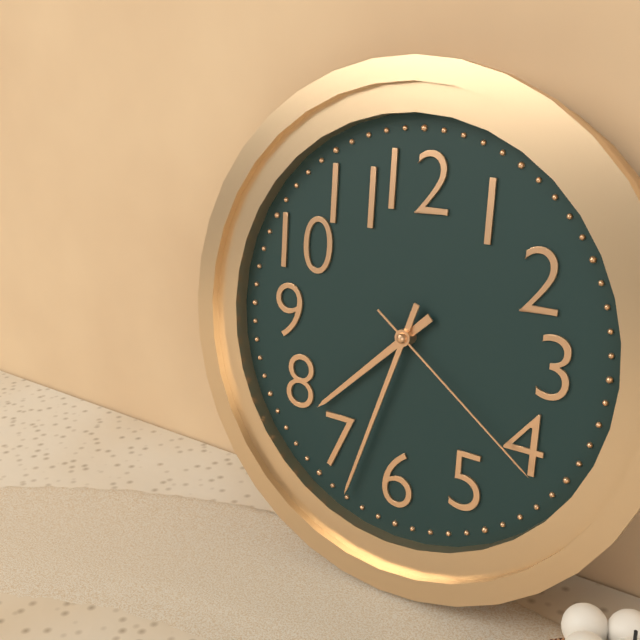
7:33:21
